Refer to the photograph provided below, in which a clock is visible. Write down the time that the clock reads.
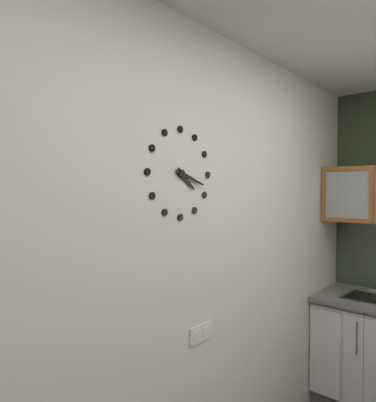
4:18
